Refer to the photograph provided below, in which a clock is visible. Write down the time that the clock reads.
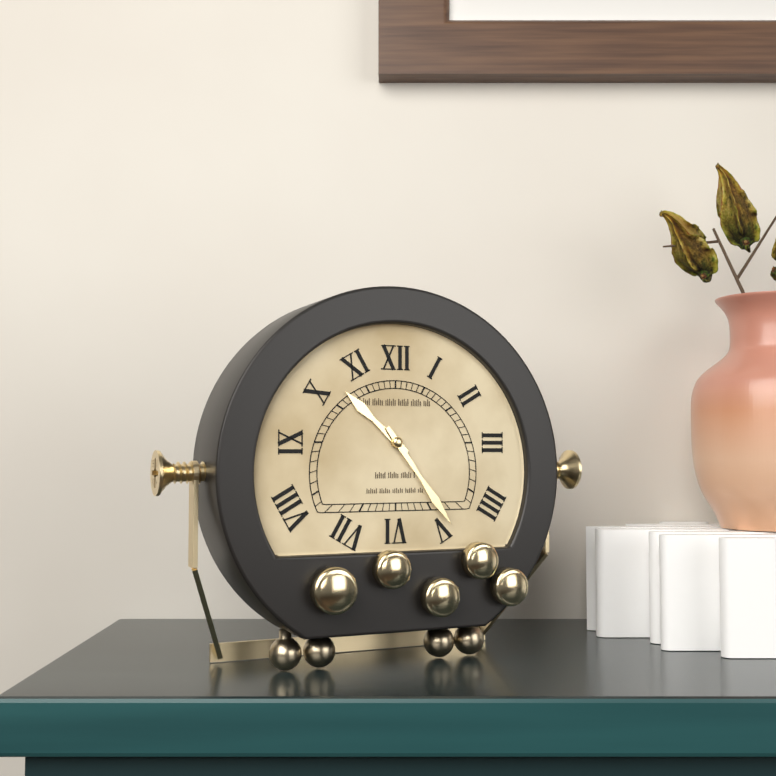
10:24
